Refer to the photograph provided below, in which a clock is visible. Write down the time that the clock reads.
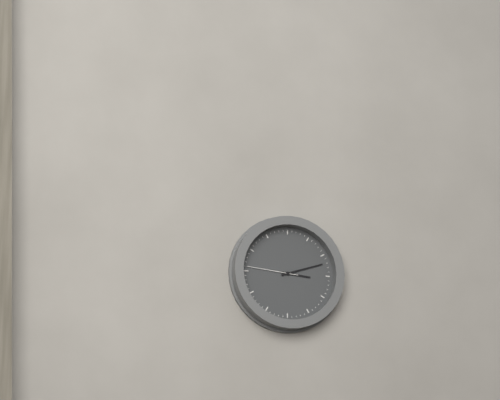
3:12:46
